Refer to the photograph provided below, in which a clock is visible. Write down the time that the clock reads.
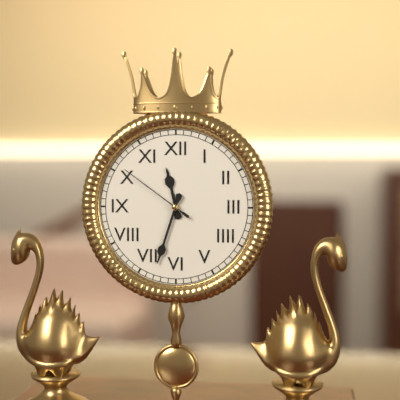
11:33:51
